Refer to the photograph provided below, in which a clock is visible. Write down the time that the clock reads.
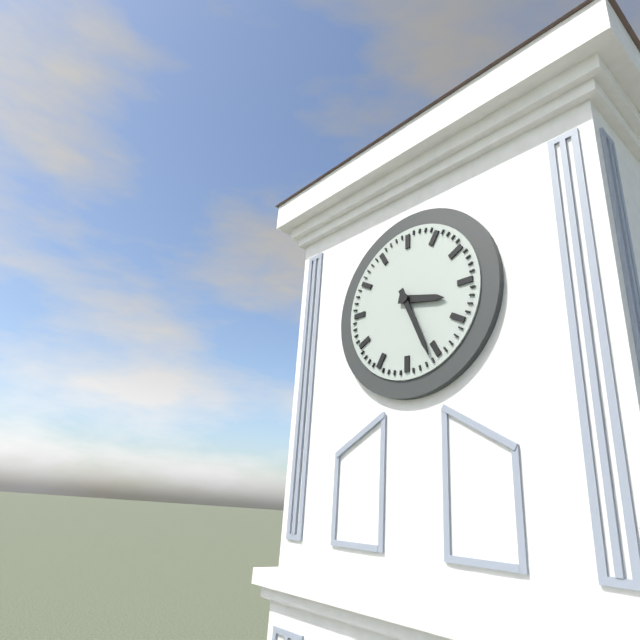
3:26
